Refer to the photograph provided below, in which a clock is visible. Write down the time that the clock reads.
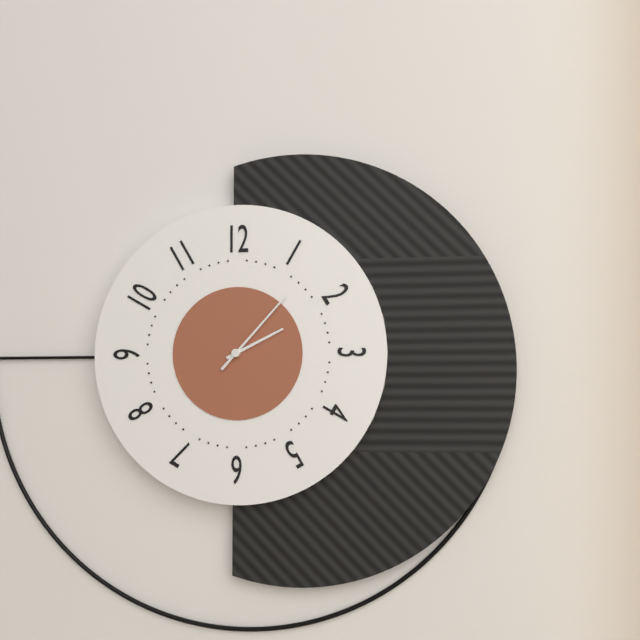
2:07
